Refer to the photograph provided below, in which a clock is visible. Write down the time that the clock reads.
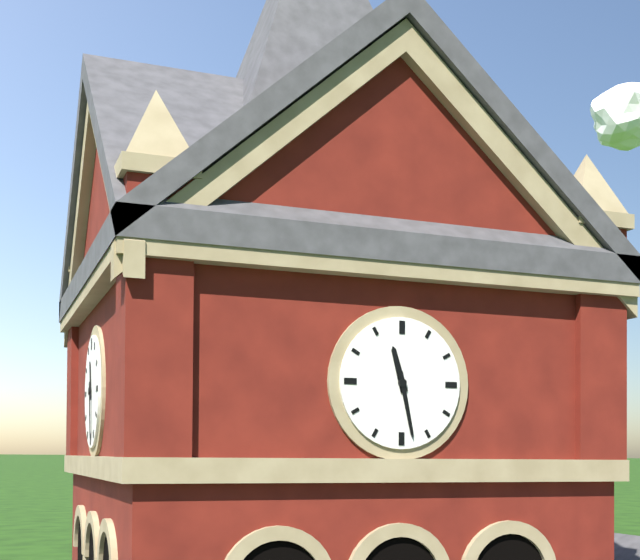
11:28
